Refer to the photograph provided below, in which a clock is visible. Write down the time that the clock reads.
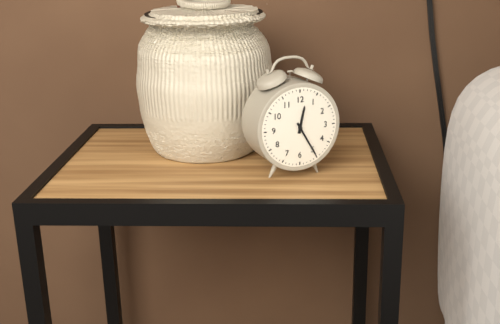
12:25
